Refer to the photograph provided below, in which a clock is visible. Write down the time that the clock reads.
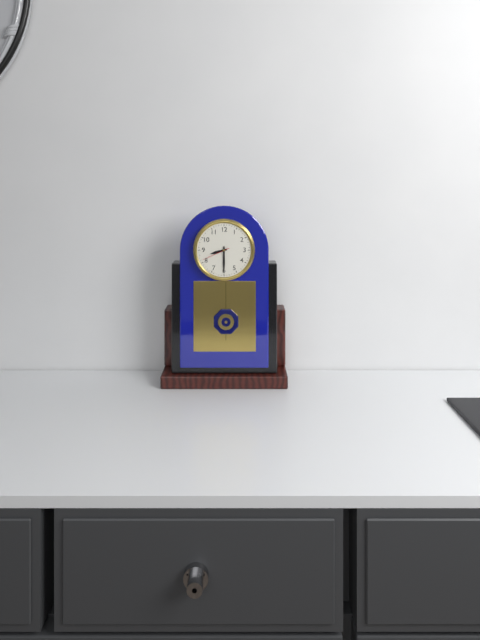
8:30
